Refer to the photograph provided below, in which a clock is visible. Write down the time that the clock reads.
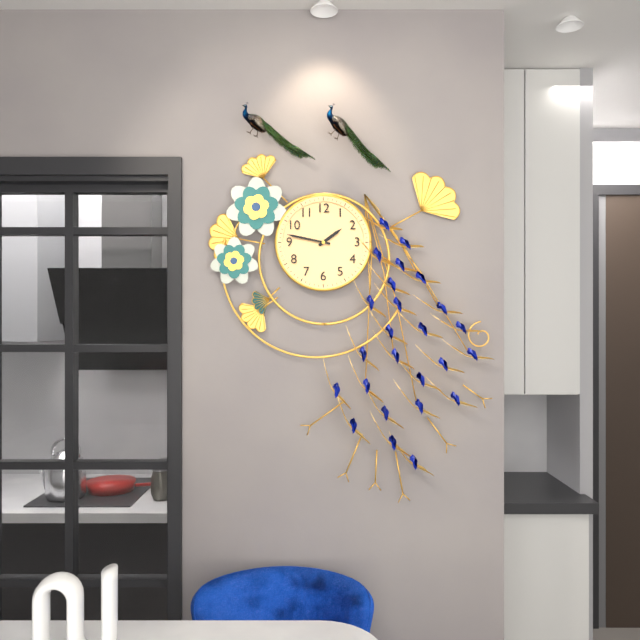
1:47
